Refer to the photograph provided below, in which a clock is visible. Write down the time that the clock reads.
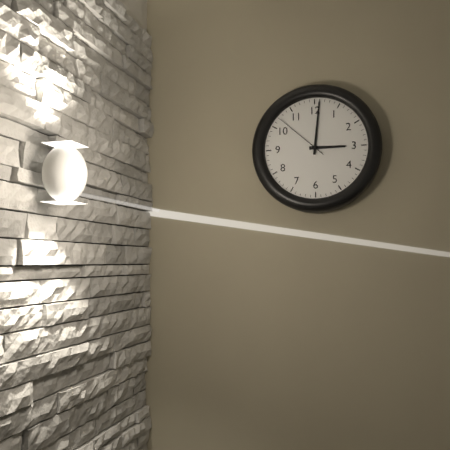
3:01:52
